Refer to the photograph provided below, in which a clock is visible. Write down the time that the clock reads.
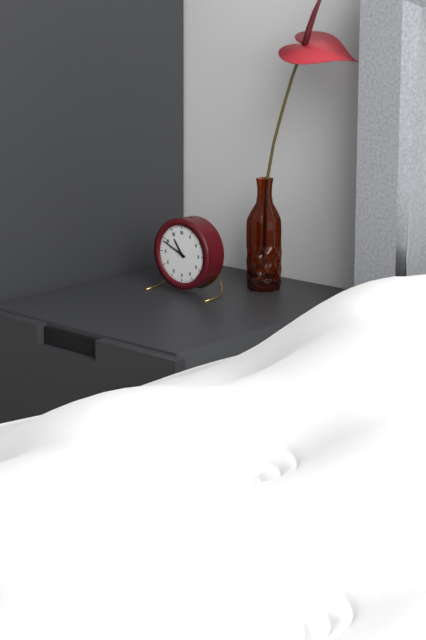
10:49
